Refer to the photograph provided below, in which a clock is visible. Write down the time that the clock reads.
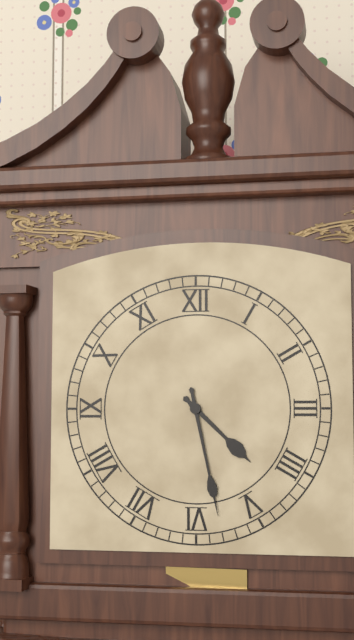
4:28
